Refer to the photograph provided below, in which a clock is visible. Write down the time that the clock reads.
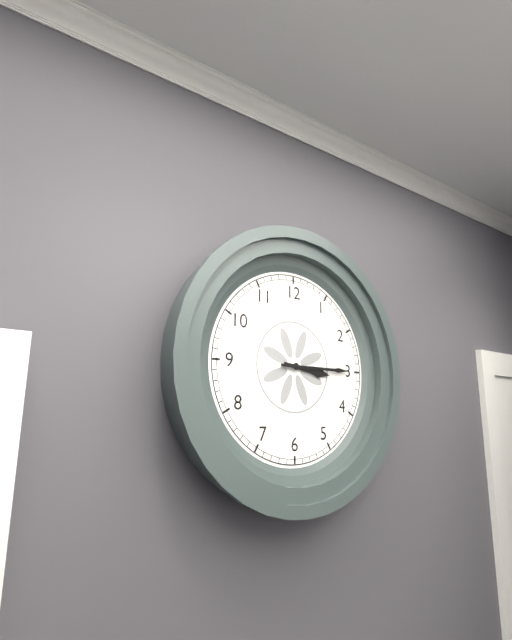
3:15
